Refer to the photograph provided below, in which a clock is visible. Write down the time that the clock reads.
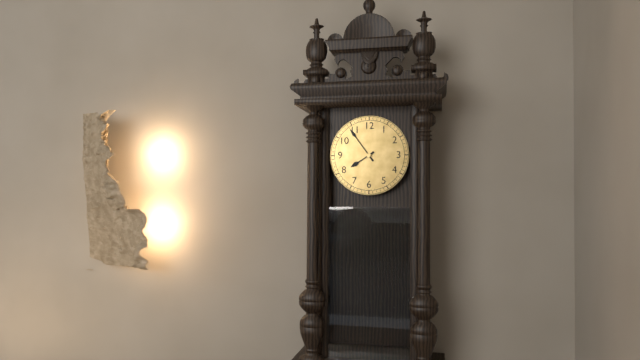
7:54
